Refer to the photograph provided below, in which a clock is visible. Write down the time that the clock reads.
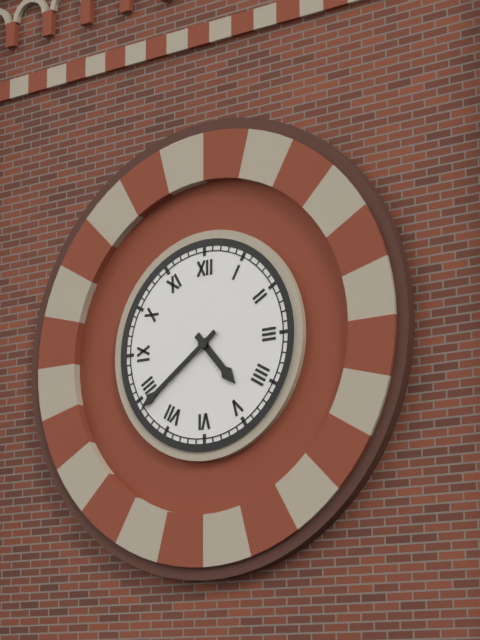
4:39
